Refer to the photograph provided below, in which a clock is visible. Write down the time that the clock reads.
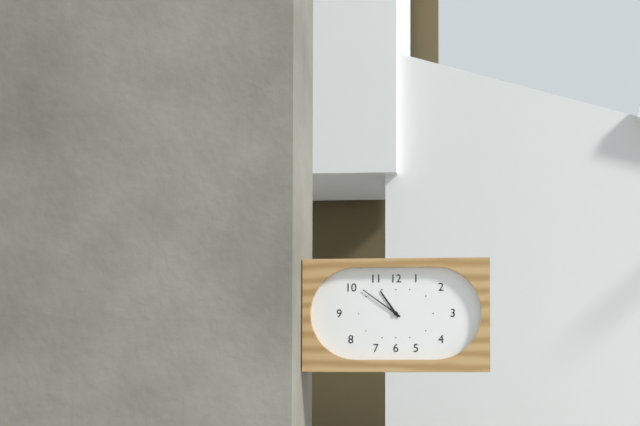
10:51
